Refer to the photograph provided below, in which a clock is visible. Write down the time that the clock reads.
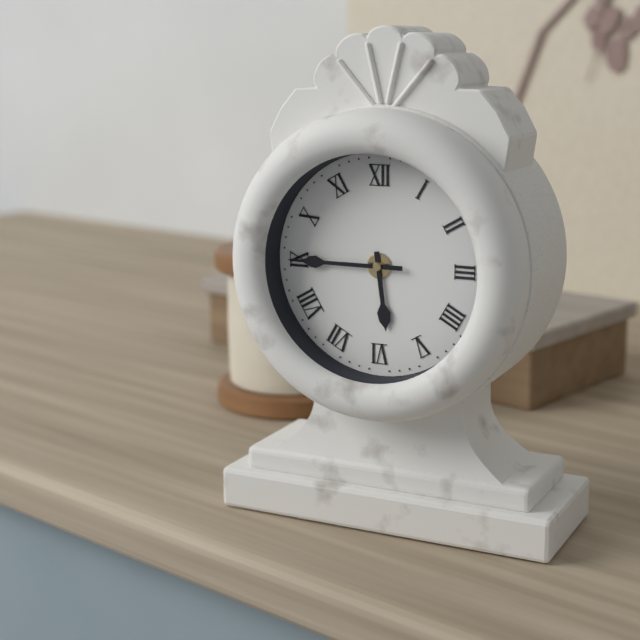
5:45
